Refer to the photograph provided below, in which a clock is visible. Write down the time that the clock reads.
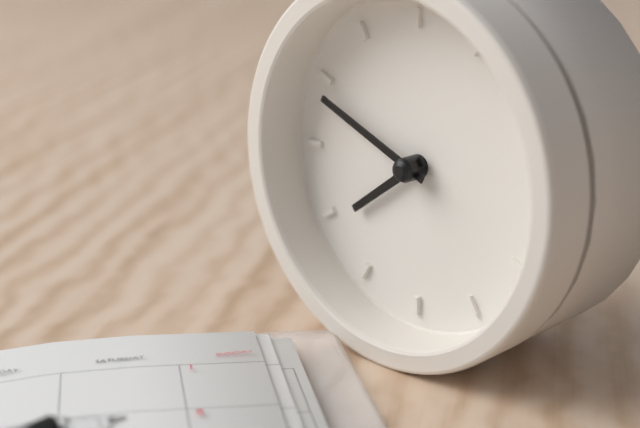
7:49
